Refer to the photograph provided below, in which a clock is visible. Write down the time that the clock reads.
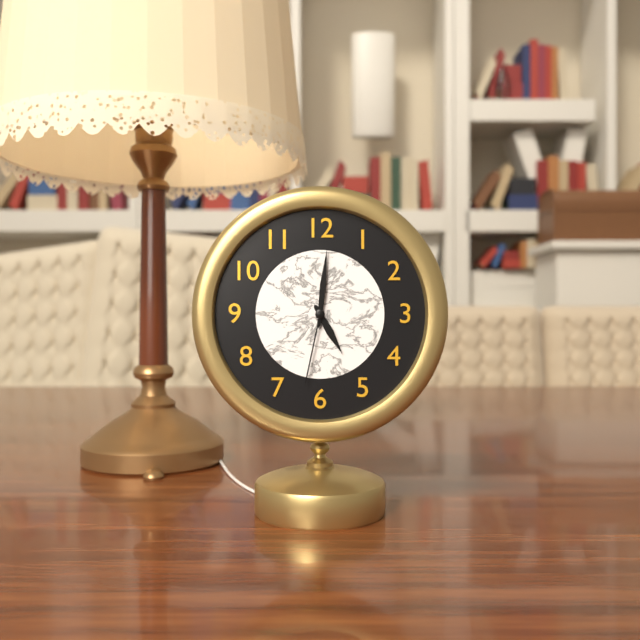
5:01:32
